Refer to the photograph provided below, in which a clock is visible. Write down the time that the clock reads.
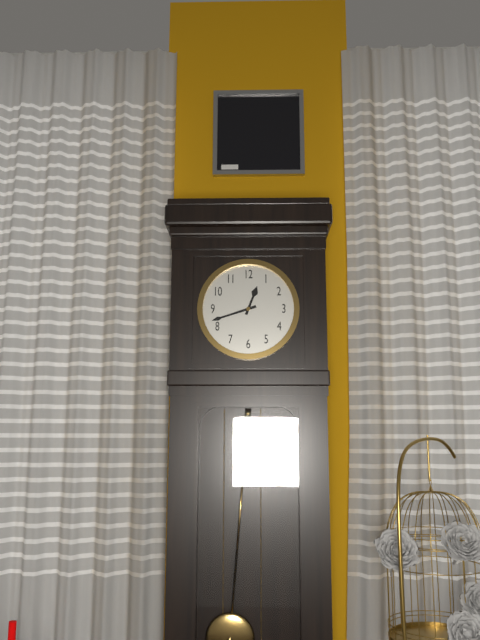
12:42
